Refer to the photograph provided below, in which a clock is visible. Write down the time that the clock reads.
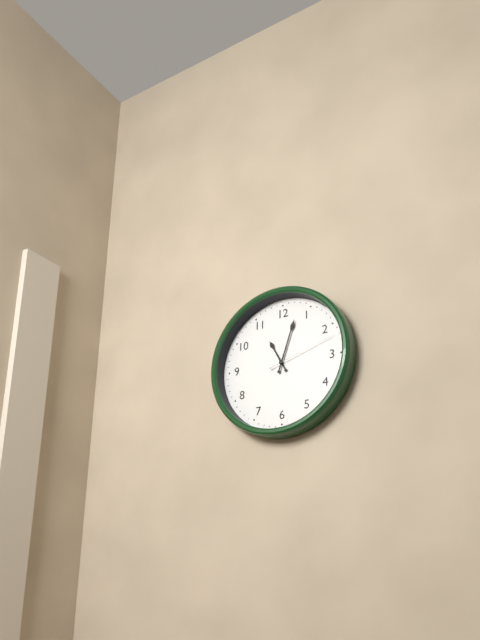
11:03:12
